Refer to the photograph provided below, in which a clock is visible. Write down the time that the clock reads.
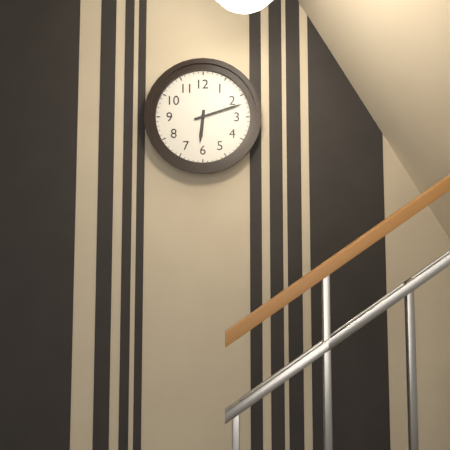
6:12
